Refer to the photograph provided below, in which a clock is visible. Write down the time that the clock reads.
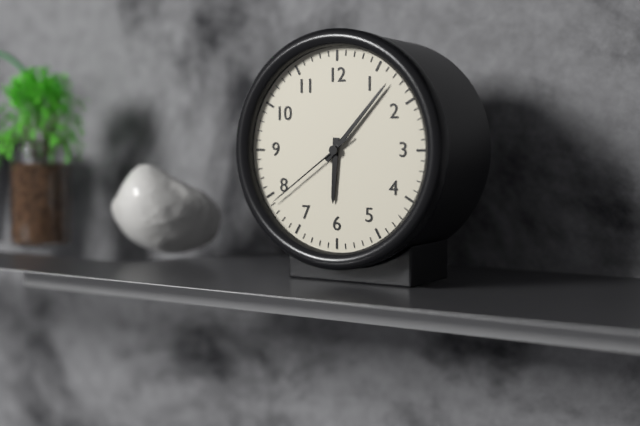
6:07:39
